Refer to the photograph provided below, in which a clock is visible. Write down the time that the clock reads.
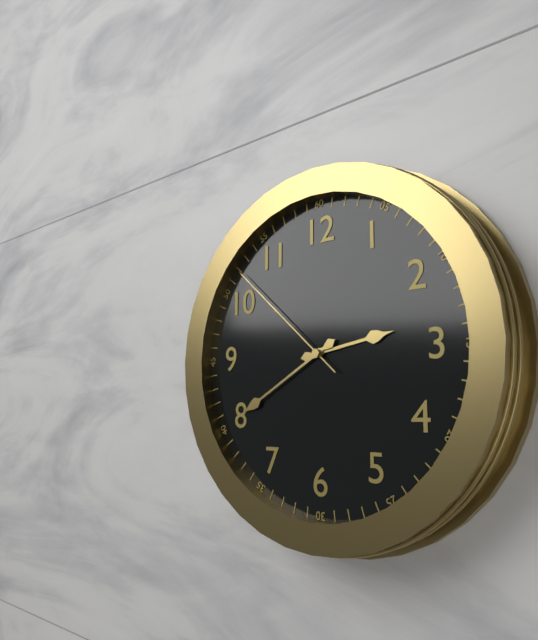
2:40:52
